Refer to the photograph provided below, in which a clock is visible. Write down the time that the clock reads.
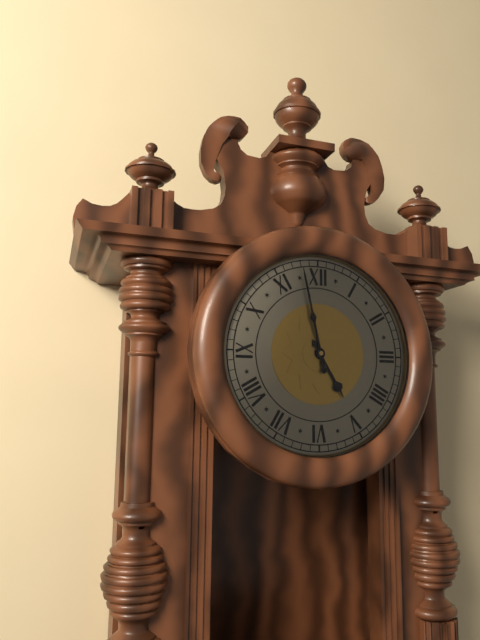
4:58
